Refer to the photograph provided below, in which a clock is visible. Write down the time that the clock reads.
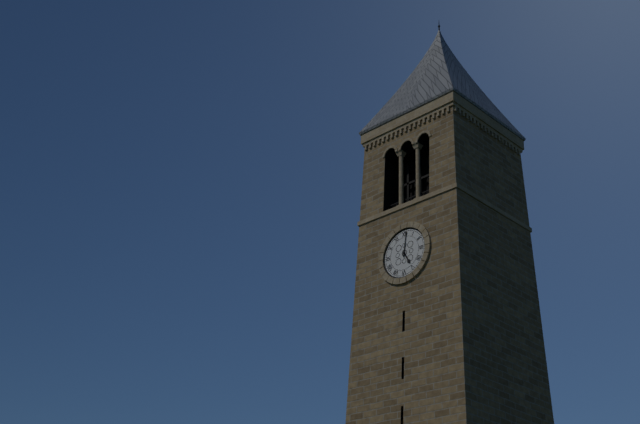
5:01
